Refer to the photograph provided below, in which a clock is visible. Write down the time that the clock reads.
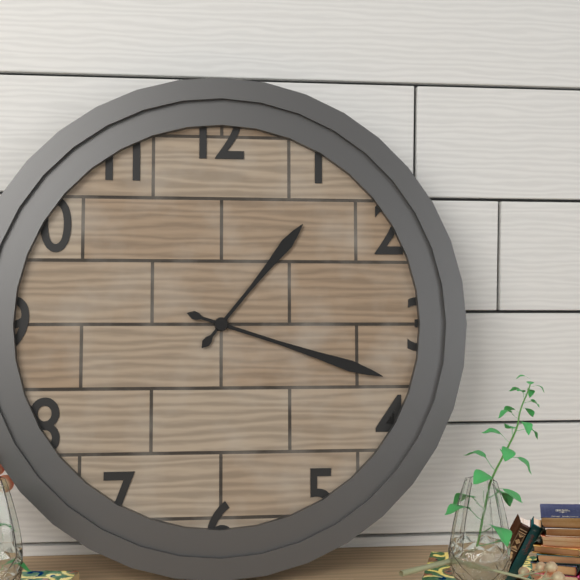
1:18
